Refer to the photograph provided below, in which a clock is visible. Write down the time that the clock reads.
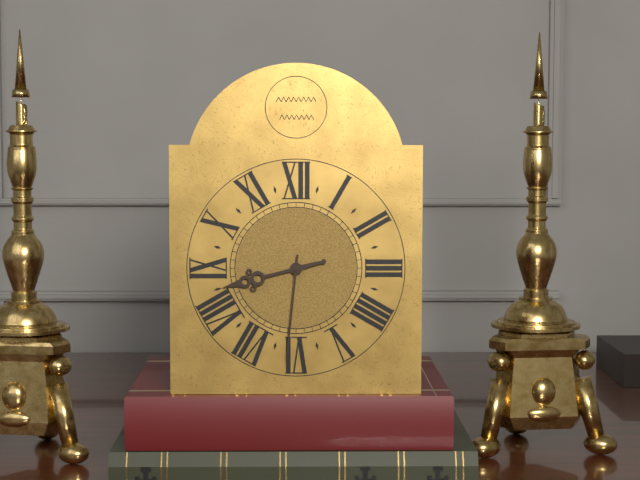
8:31
